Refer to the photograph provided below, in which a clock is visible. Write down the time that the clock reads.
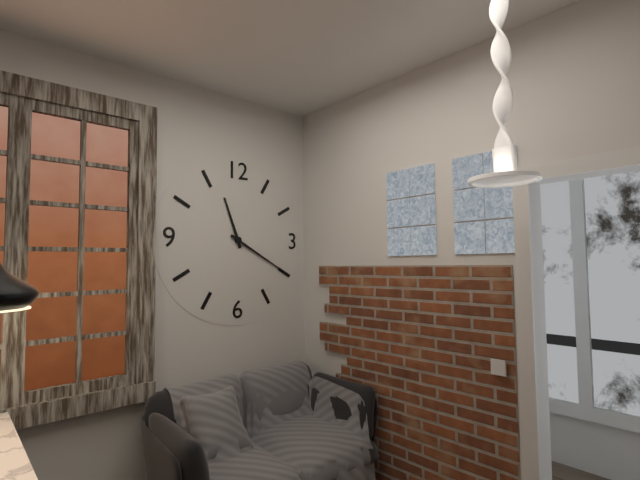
11:20
